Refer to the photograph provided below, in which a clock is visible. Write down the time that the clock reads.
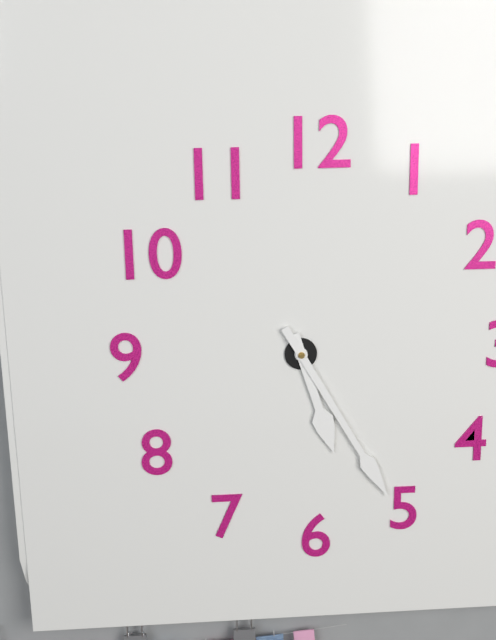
5:25
